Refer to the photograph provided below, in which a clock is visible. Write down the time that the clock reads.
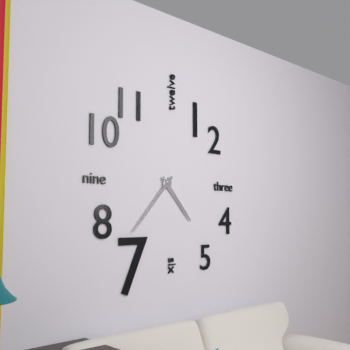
4:37
